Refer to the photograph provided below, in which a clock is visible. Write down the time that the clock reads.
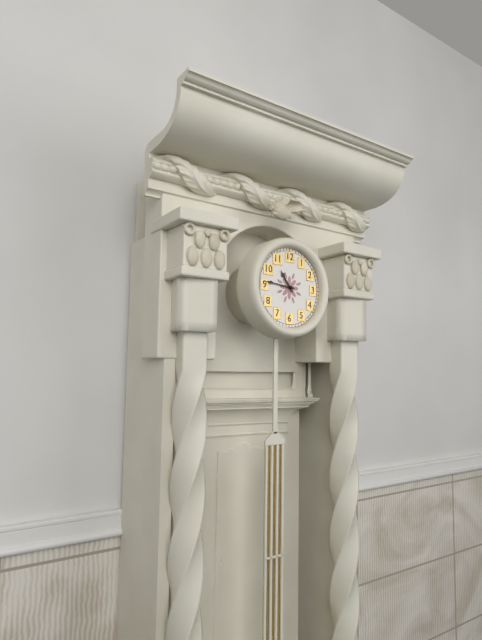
10:46
